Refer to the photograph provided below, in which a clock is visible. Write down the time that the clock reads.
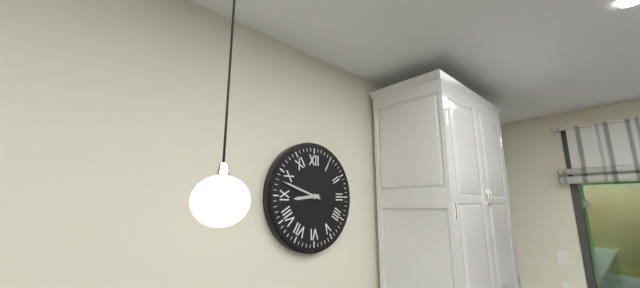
8:48
